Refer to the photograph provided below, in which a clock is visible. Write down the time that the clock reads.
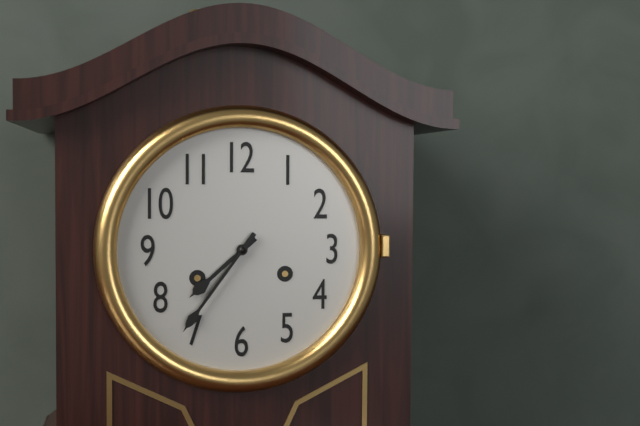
7:36
